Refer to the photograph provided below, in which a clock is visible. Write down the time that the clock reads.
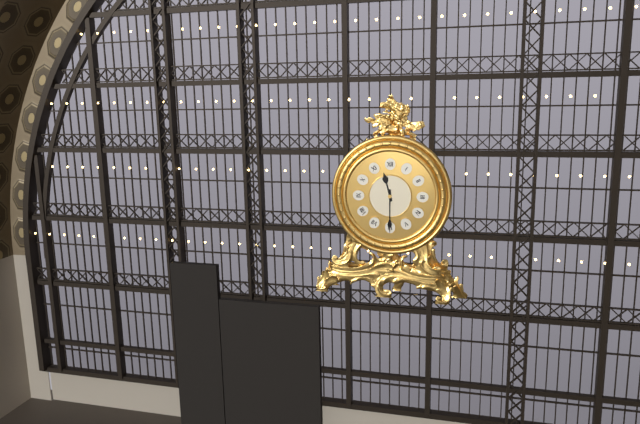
11:30
